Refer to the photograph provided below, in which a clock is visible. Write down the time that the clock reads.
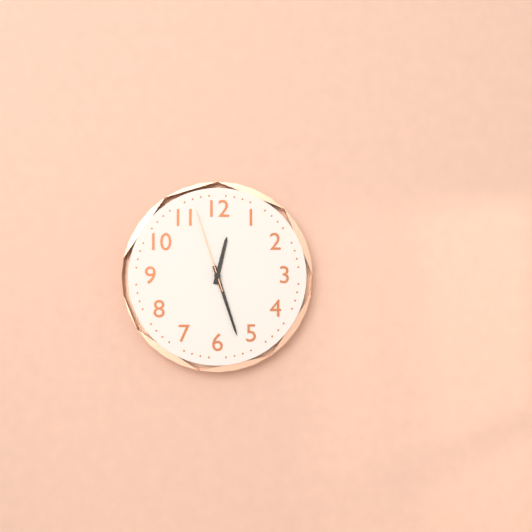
12:27:57
